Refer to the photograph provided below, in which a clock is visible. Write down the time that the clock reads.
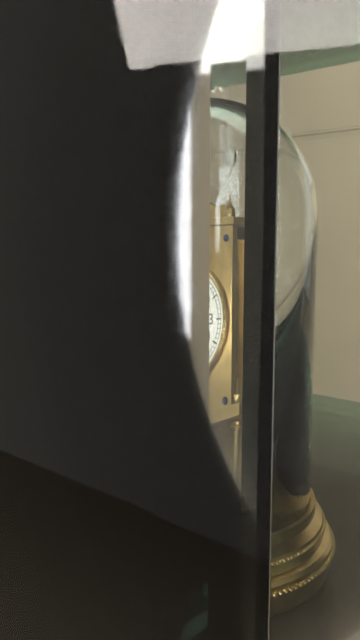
12:01
